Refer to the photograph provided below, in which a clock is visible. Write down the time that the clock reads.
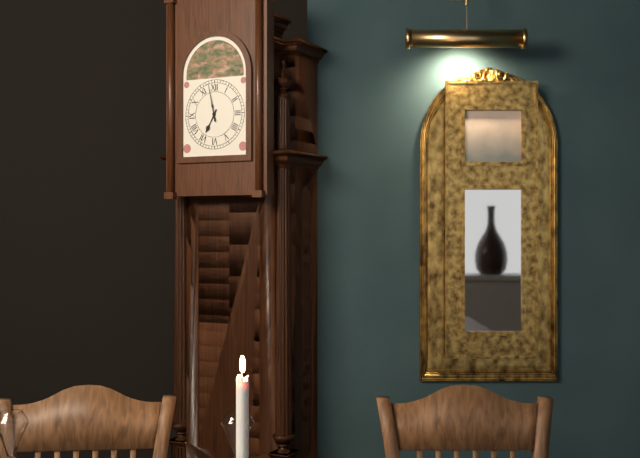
6:58
